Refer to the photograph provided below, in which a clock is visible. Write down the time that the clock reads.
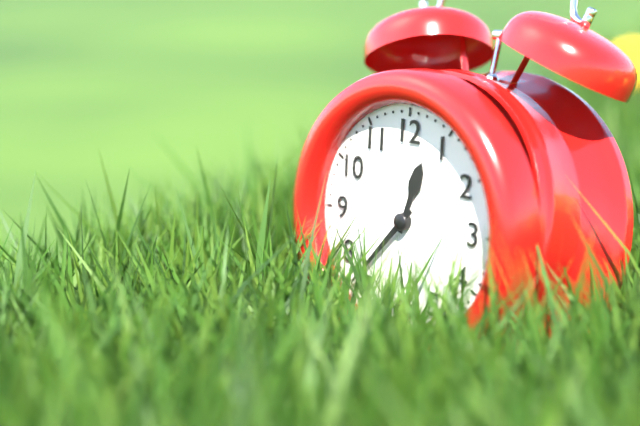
12:37
